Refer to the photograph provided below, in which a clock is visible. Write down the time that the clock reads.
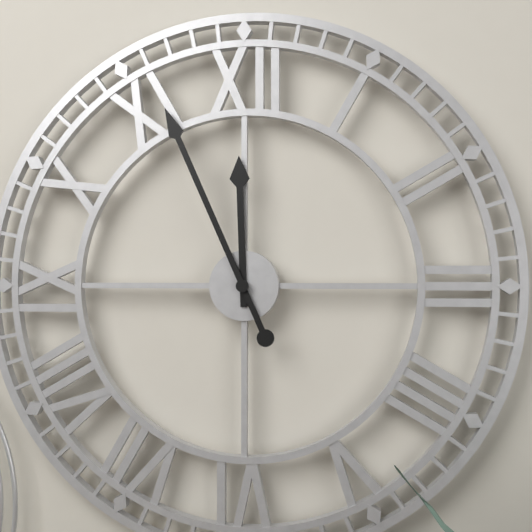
11:56
